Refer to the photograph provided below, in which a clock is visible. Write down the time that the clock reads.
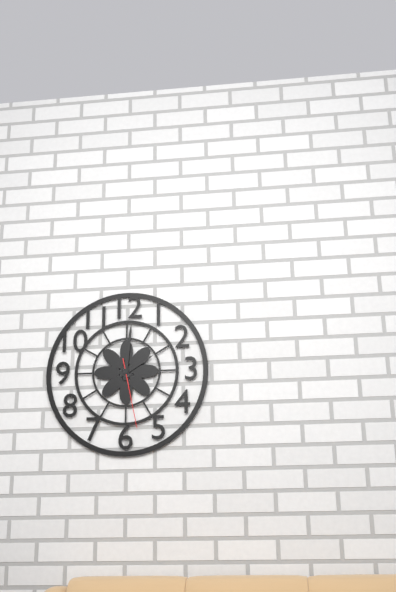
2:01:28
